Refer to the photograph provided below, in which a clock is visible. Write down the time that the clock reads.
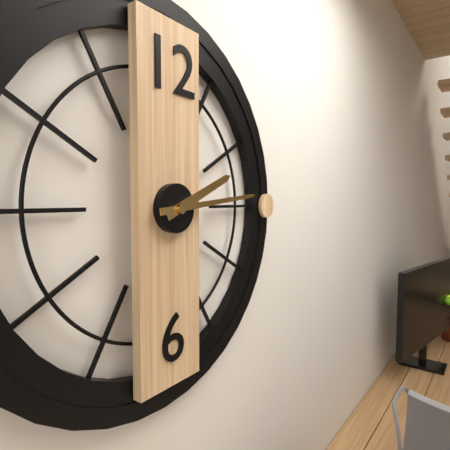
2:14
